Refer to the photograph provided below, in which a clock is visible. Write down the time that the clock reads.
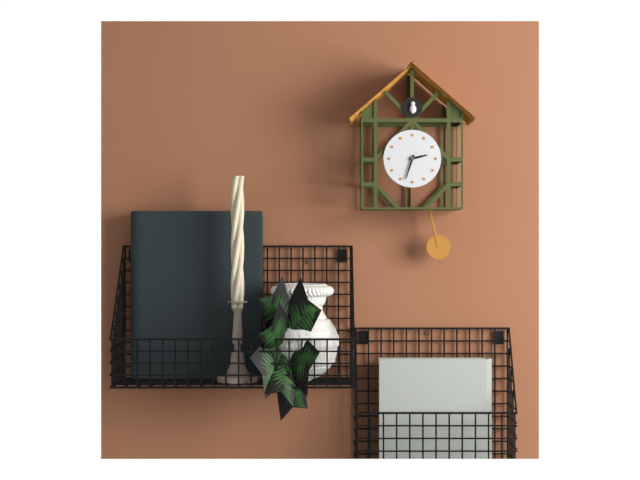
2:33
